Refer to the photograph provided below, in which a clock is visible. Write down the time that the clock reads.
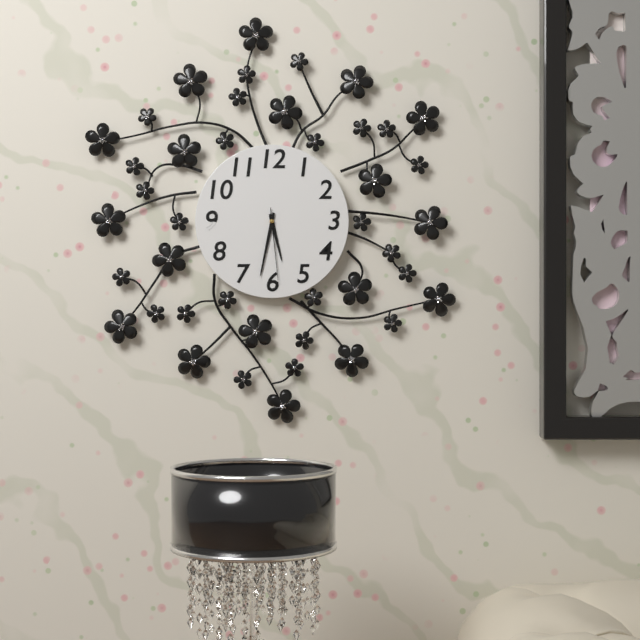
5:32:29
